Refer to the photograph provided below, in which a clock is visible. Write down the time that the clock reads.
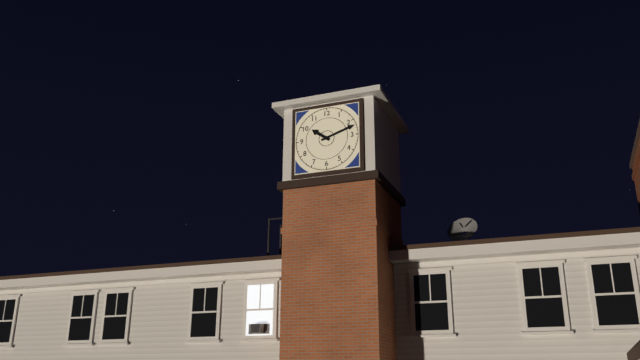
10:12
